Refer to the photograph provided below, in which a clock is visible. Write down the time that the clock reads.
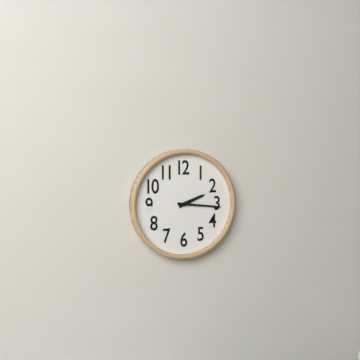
2:16
